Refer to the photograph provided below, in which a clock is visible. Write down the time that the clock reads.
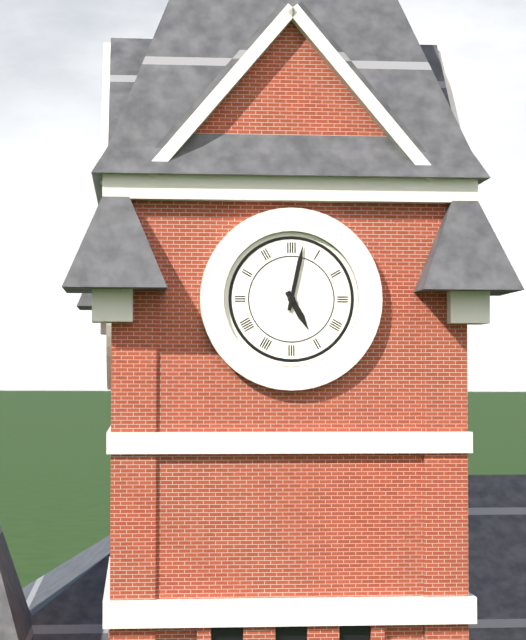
5:02
